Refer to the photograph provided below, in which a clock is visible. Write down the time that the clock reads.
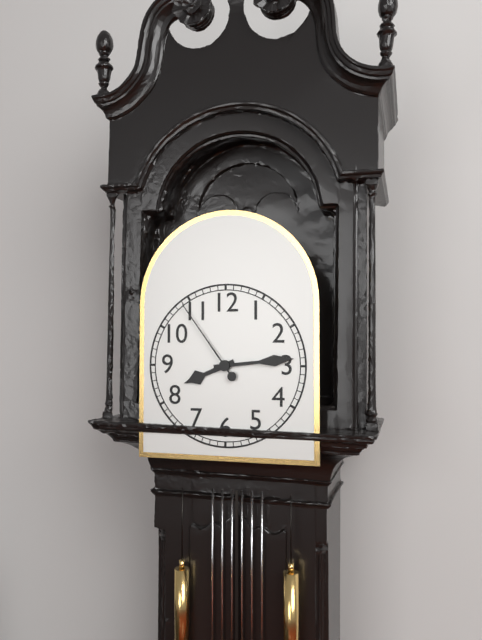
8:14:54
